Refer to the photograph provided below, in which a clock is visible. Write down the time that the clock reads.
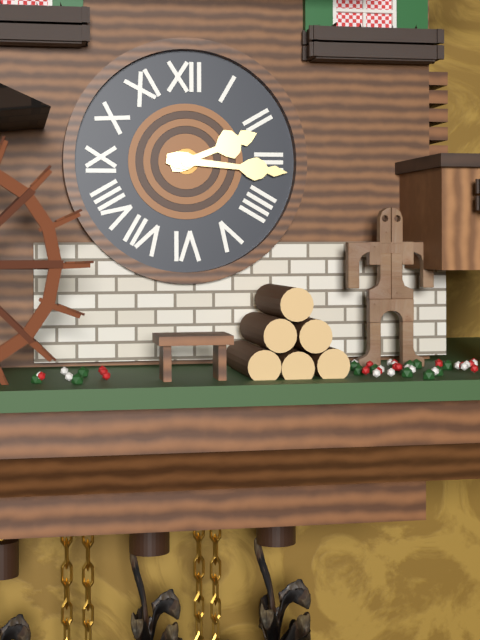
2:16
